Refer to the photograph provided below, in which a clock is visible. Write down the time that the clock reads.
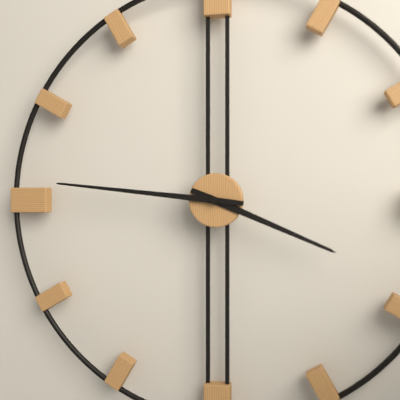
3:46
